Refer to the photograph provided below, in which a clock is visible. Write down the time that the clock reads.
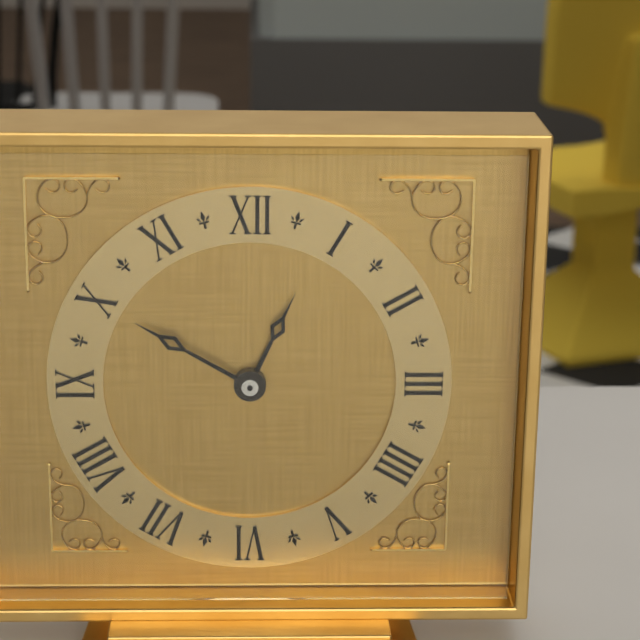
12:50
